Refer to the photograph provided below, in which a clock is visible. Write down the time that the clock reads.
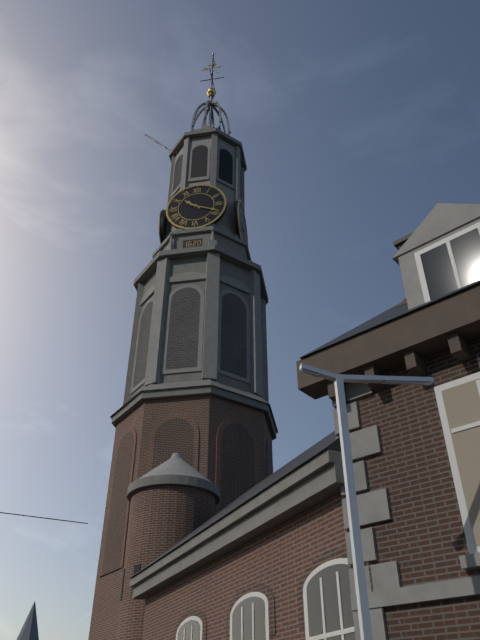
10:19
